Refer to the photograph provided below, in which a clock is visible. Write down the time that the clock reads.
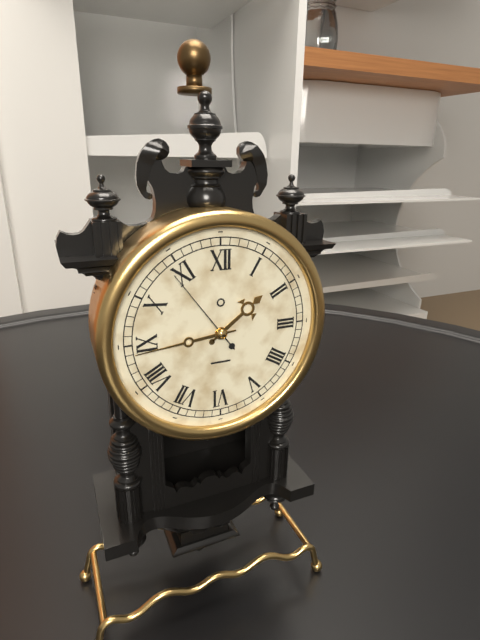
1:44:54
